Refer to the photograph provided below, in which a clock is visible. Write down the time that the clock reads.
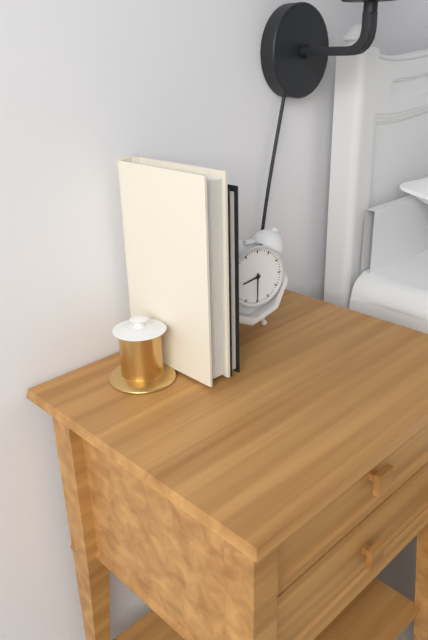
8:30
